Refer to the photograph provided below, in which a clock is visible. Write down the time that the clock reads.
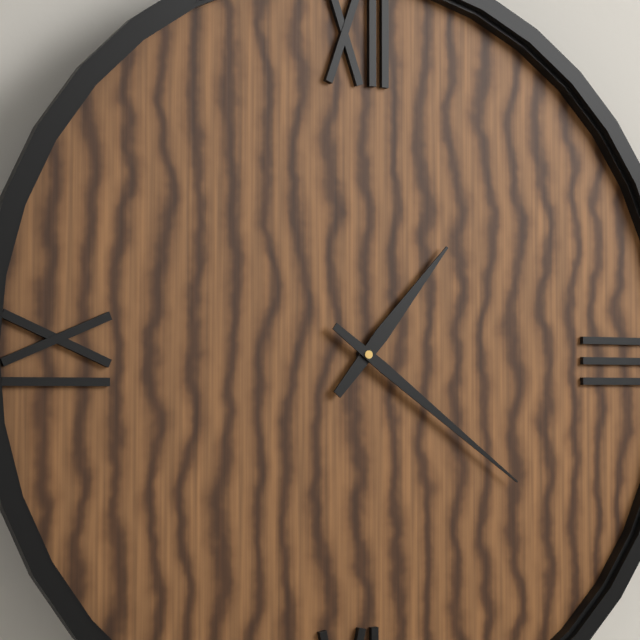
1:21
